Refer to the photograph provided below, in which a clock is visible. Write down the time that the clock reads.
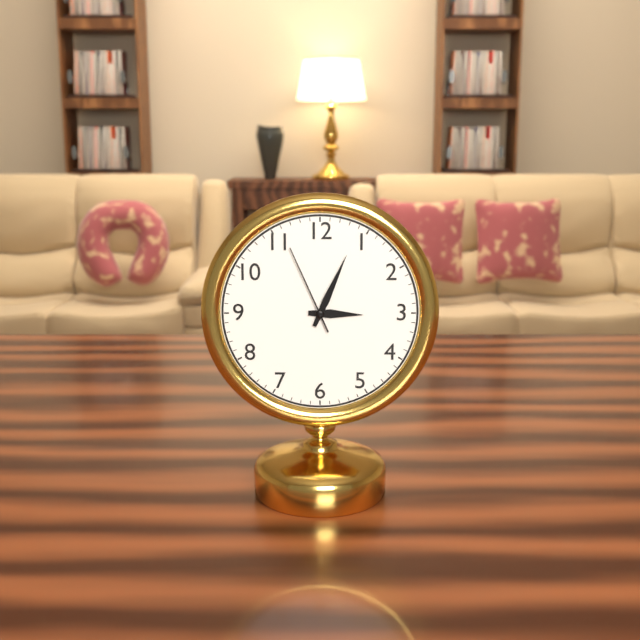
3:04:56
